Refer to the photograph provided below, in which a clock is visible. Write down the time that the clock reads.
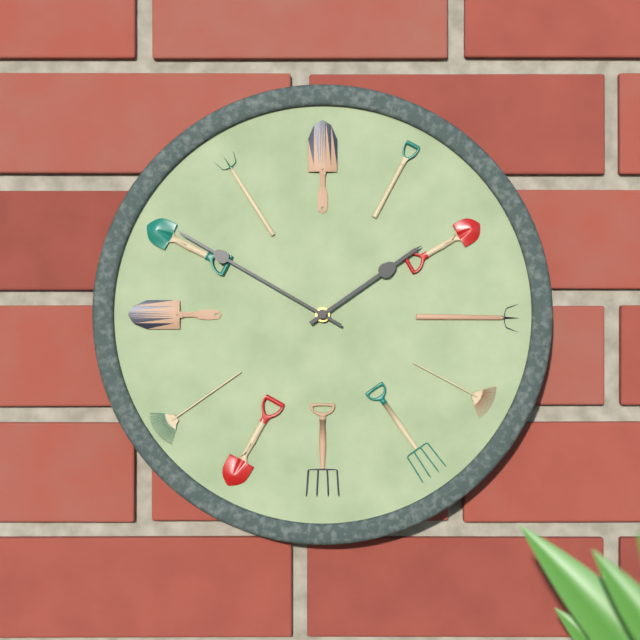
1:50
